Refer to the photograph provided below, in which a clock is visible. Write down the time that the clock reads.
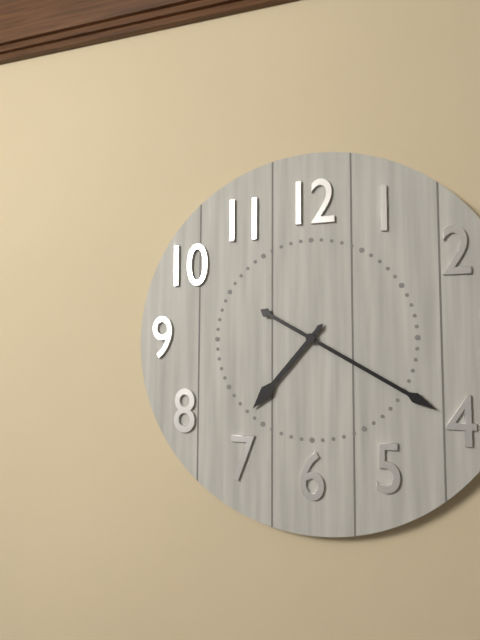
7:20
